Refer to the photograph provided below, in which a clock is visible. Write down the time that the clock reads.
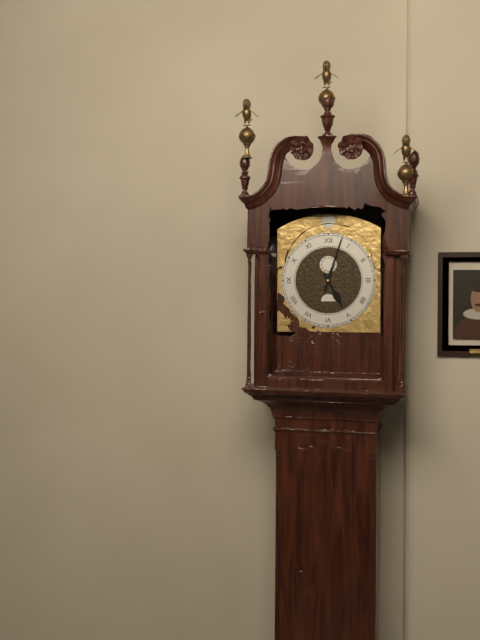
5:03
